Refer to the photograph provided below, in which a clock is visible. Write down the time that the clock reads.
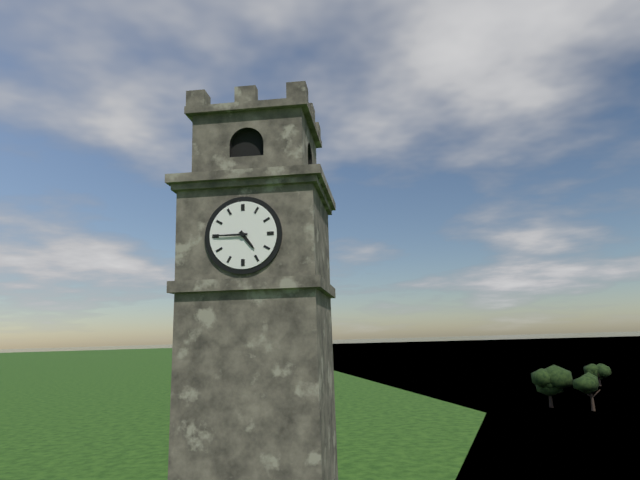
4:45
